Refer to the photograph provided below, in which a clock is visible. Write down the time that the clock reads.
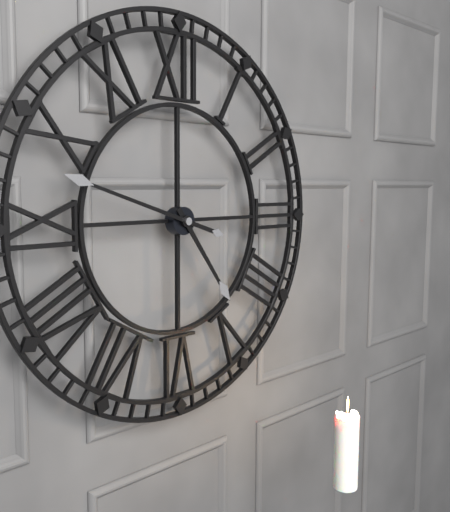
4:48
